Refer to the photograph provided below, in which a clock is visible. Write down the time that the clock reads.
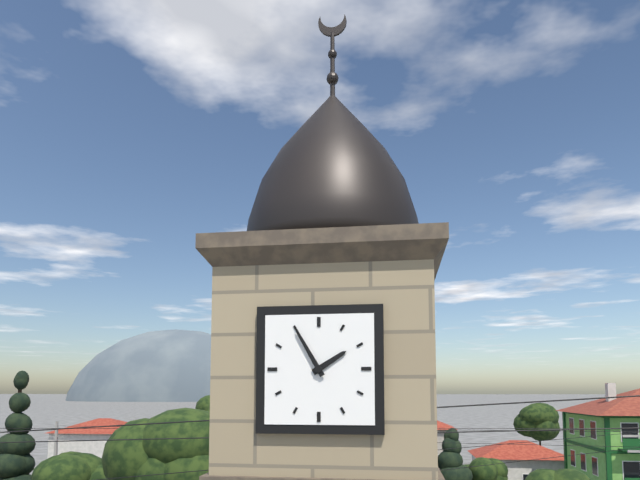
1:55
